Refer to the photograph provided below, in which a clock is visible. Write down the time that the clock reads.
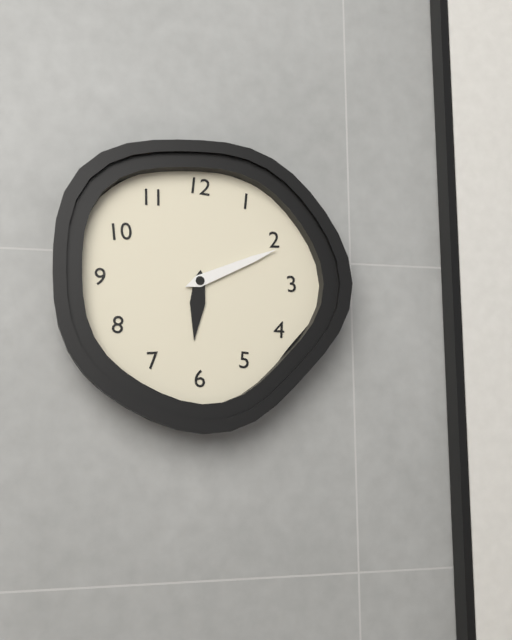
6:11
